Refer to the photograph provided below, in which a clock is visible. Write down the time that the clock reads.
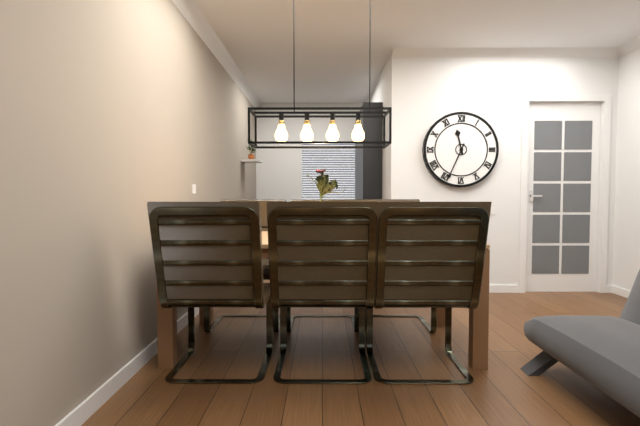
11:34
